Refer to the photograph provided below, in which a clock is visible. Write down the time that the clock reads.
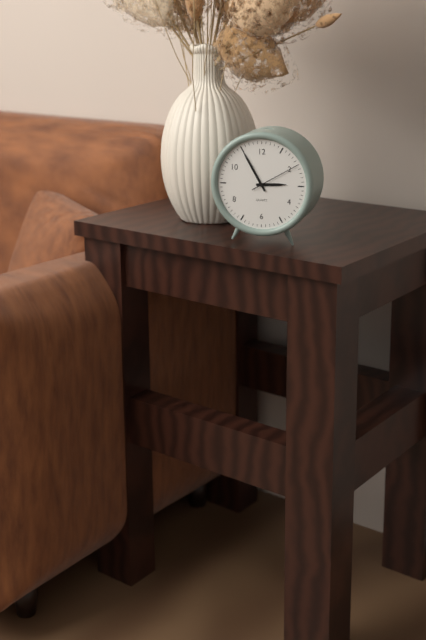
2:55:10
